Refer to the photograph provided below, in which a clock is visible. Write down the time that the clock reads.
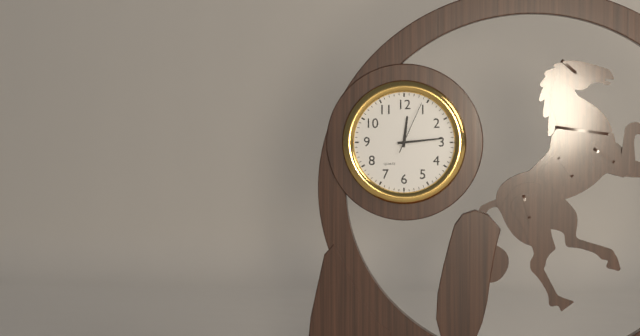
12:14:04
